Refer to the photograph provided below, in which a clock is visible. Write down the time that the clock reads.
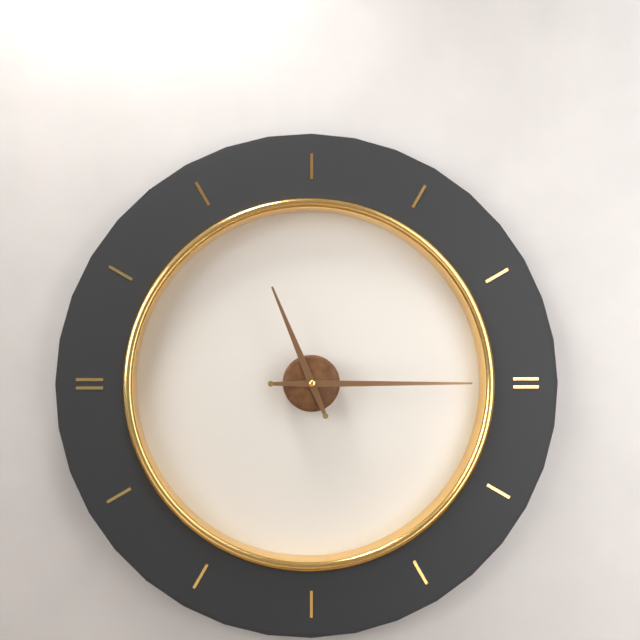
11:15
